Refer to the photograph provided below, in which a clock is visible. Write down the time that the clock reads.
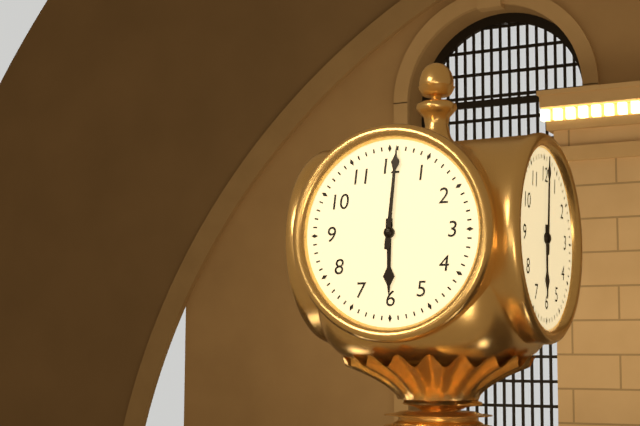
6:01
